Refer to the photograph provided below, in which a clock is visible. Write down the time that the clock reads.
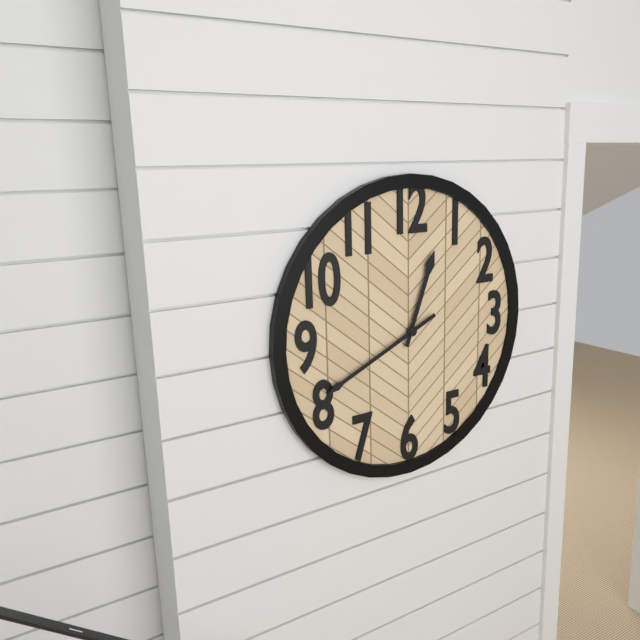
12:41
